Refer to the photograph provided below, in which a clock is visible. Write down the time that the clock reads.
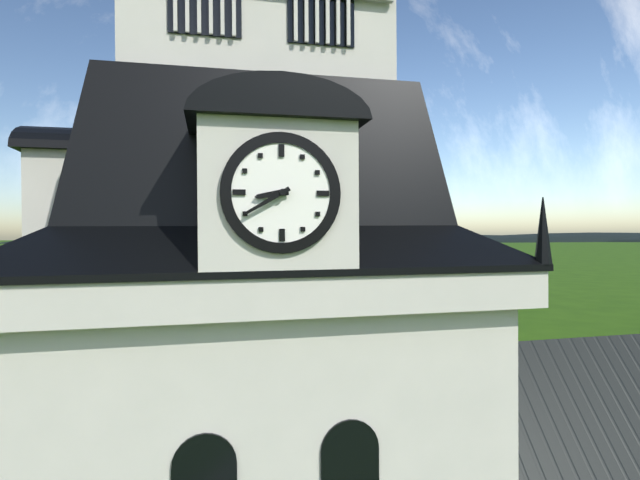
8:40
